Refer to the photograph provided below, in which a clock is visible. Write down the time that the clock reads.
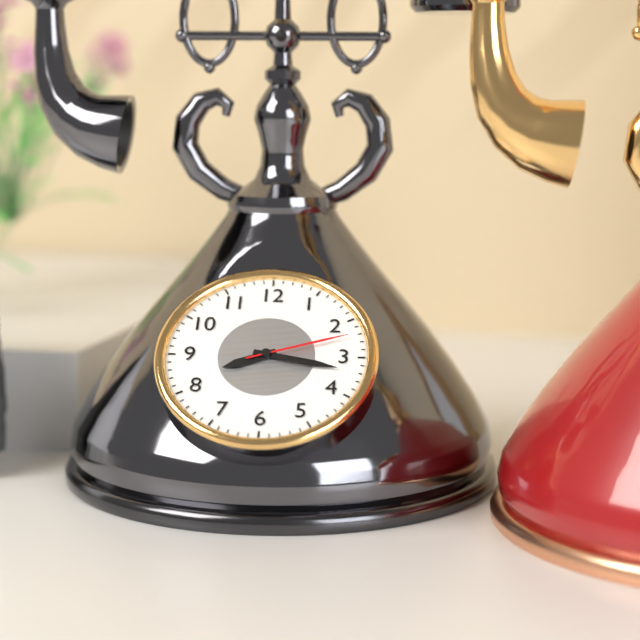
8:17:12
